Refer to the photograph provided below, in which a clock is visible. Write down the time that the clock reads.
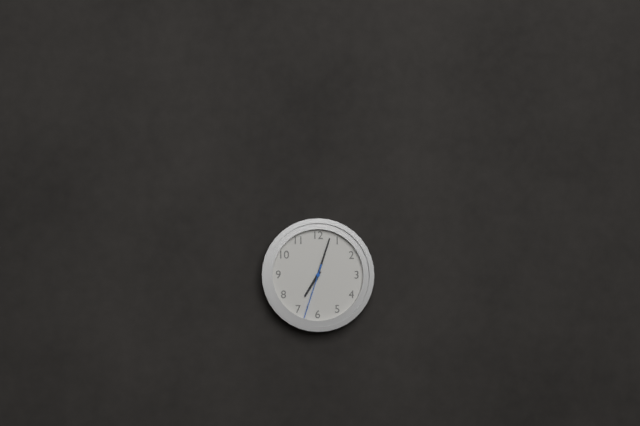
7:03:33
